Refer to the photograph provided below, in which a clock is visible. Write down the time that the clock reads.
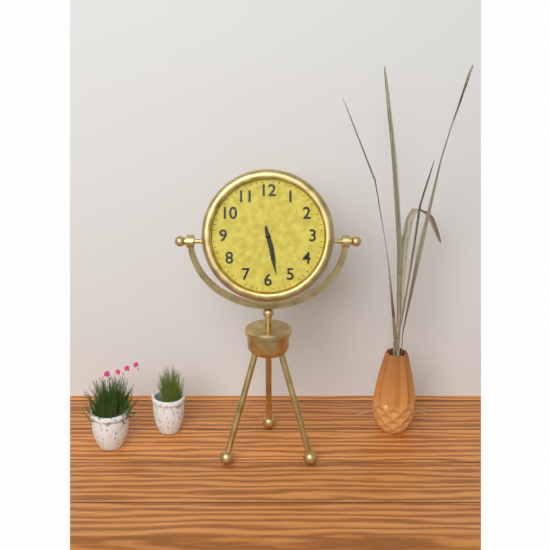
5:28
